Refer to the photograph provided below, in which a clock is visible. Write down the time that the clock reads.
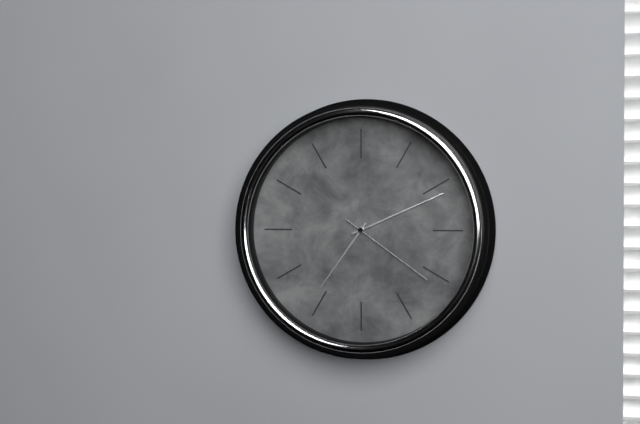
7:11:21
